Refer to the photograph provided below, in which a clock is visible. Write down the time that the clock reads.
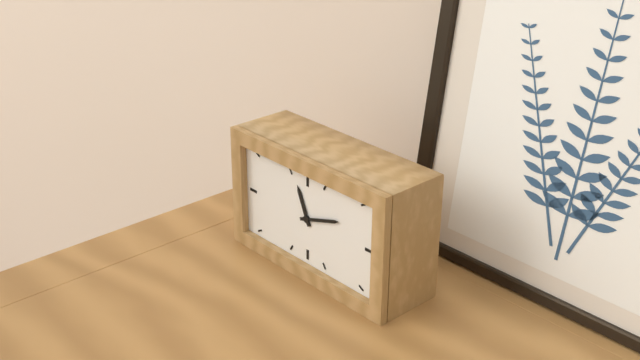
11:12
